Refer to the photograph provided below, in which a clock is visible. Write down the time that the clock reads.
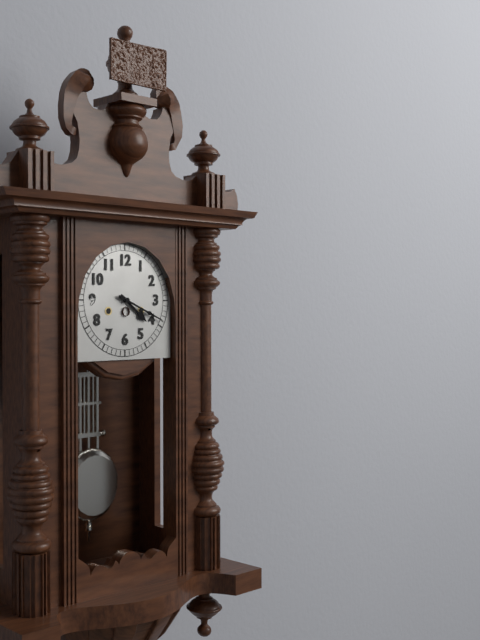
4:19
